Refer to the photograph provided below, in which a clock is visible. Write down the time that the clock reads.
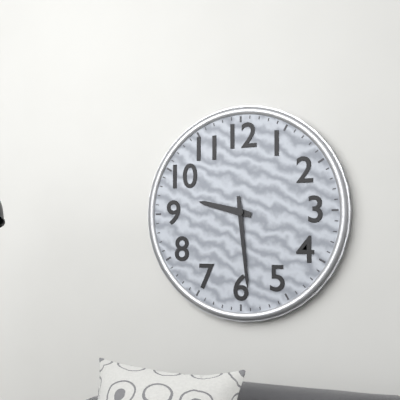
9:29
